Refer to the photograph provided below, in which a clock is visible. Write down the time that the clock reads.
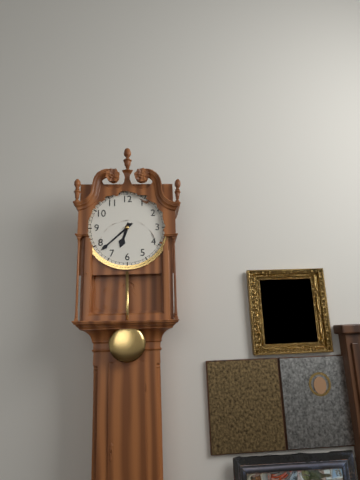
6:38
